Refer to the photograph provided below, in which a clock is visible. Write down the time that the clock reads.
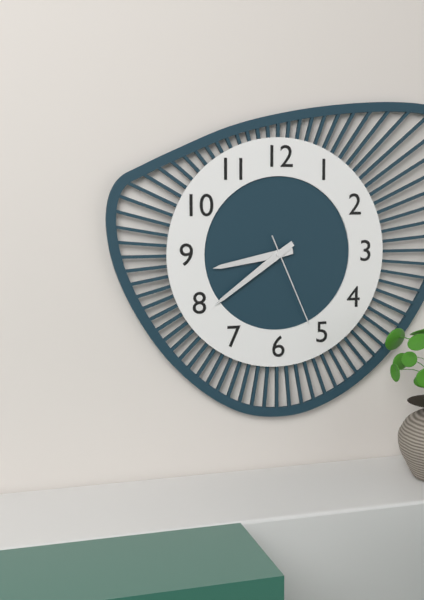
8:39:26
